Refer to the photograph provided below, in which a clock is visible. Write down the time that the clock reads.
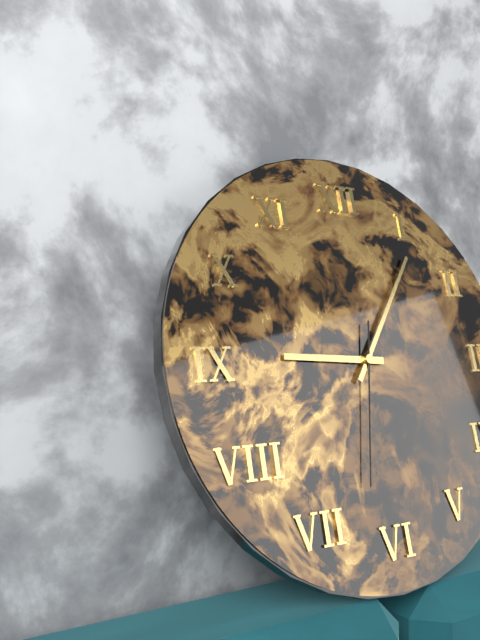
9:06:32
